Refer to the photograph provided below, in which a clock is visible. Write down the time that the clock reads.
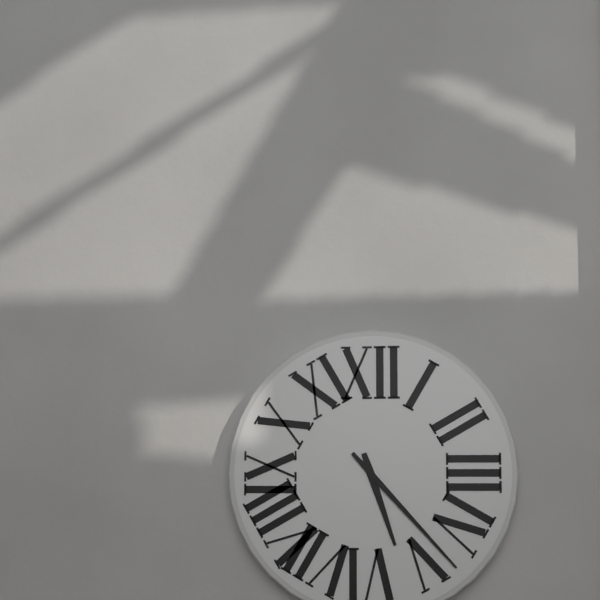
5:23
